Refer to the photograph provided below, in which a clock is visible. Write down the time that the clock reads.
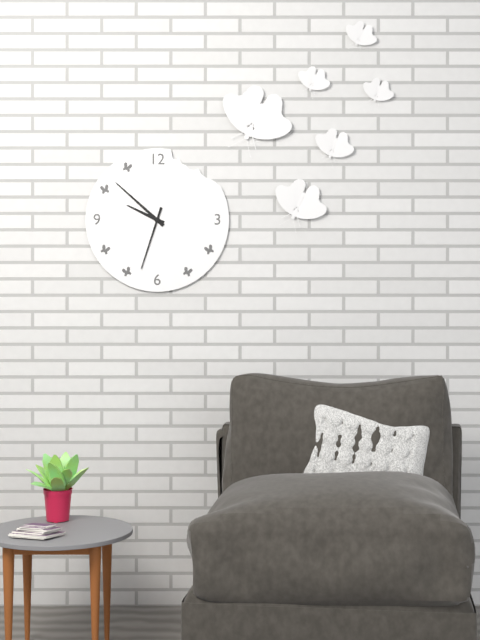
9:52:33
